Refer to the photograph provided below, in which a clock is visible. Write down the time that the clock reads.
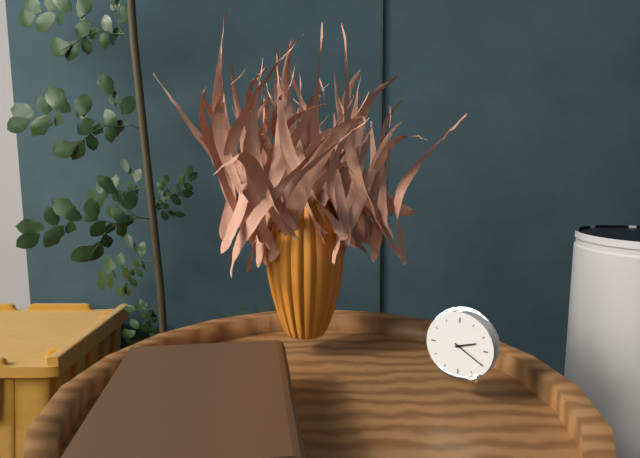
2:20
